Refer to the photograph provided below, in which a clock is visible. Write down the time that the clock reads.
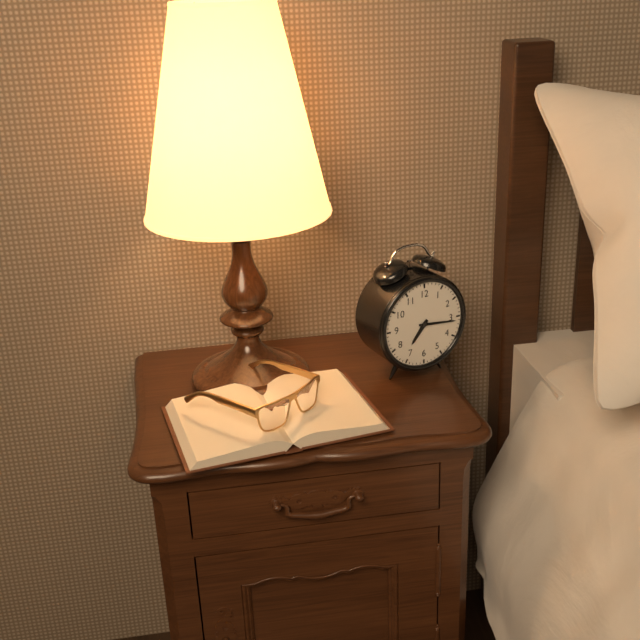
7:16
